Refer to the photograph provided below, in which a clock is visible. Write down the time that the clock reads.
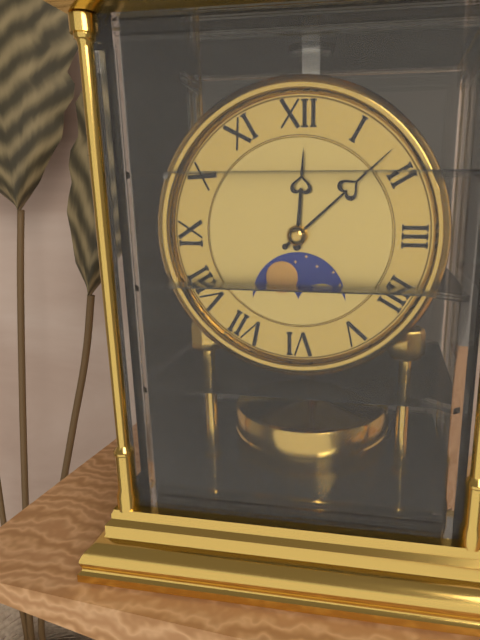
12:08
